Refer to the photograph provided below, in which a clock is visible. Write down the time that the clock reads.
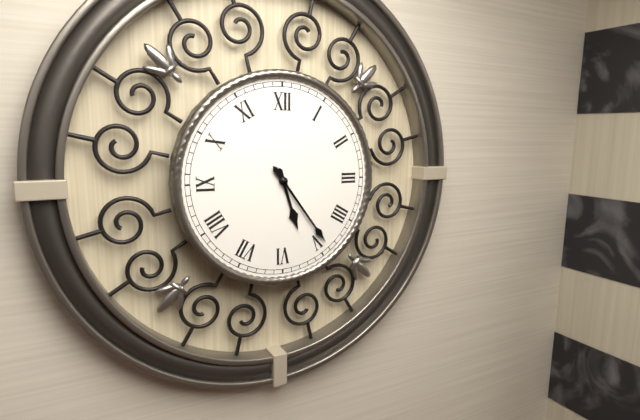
5:24
